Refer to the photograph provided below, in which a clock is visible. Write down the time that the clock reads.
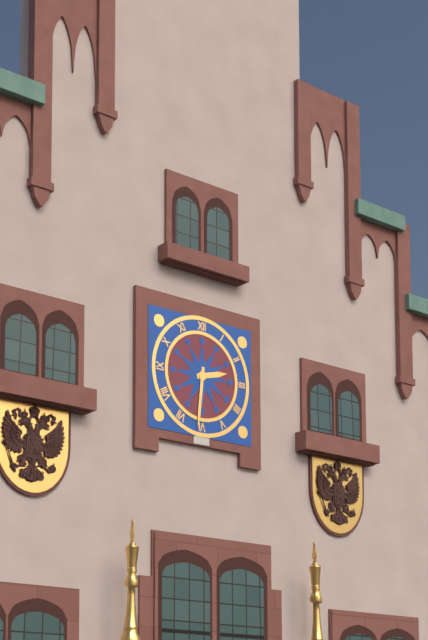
2:31
